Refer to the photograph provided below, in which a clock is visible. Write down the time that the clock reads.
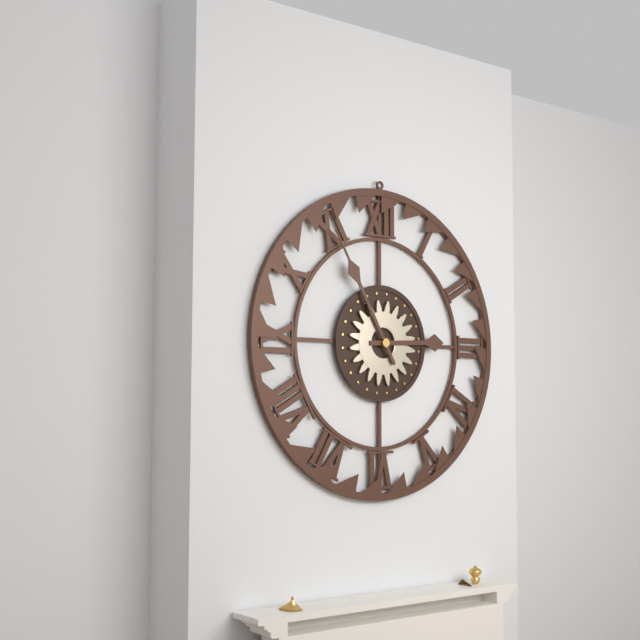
2:55
